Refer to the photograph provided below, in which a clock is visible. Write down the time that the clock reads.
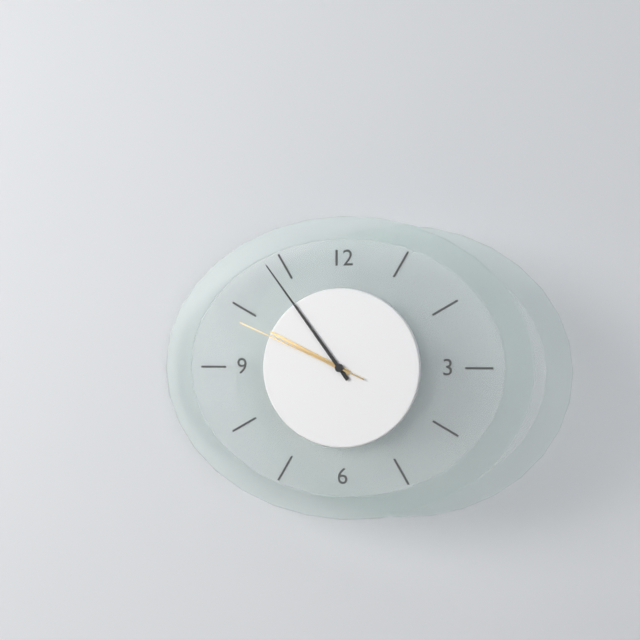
9:54:49
